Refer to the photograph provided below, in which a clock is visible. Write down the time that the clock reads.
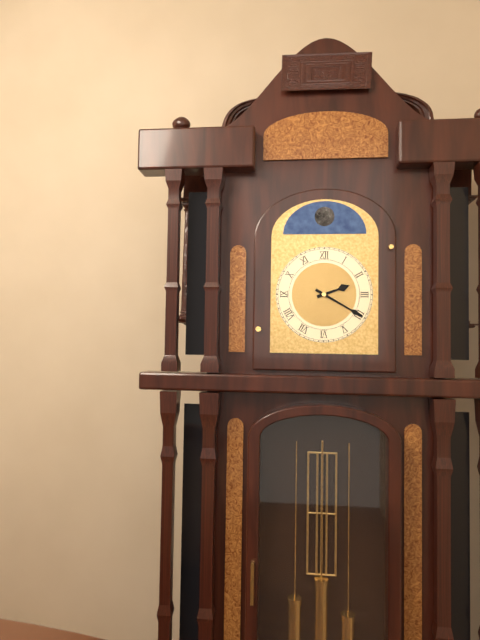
2:20
